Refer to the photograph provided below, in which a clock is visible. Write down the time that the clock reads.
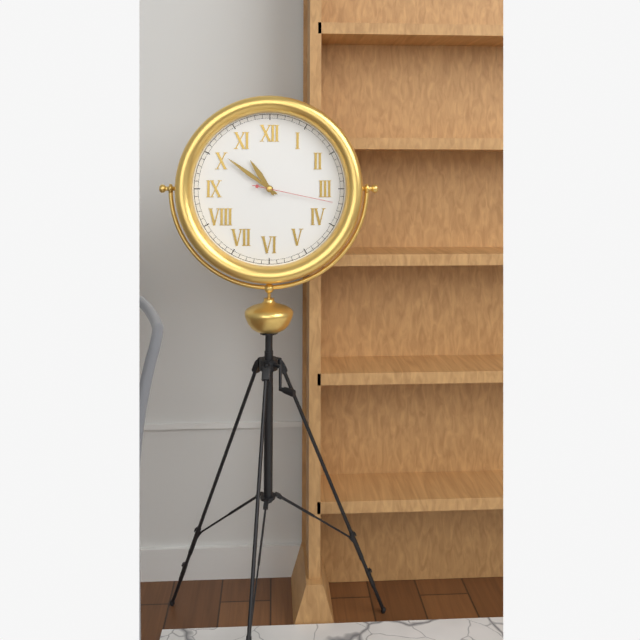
10:51:17
